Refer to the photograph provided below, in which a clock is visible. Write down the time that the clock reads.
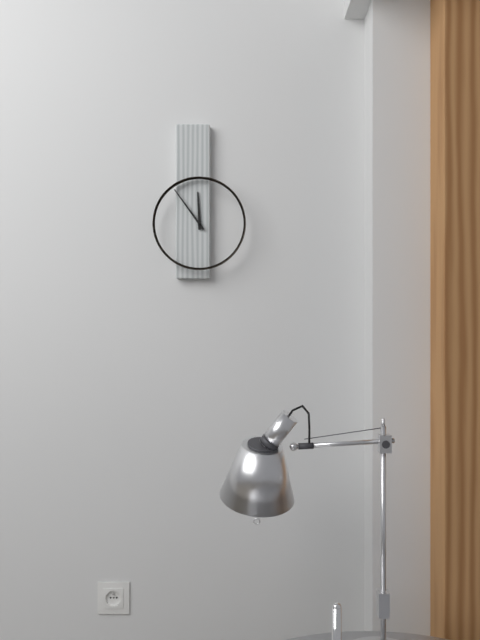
11:54
